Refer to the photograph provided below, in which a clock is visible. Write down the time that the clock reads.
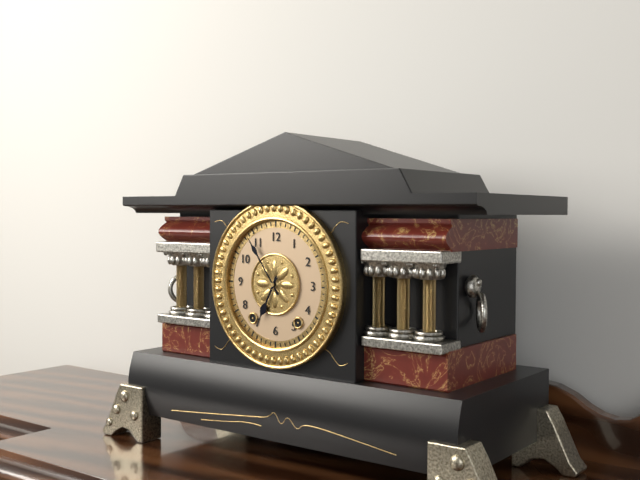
6:54
